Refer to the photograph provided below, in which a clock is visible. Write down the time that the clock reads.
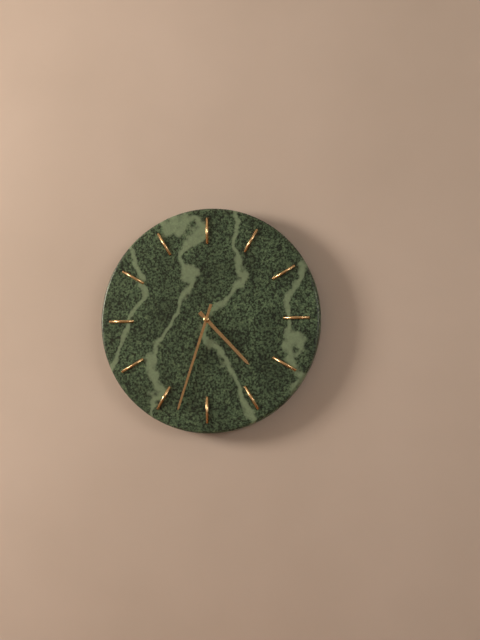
4:33
